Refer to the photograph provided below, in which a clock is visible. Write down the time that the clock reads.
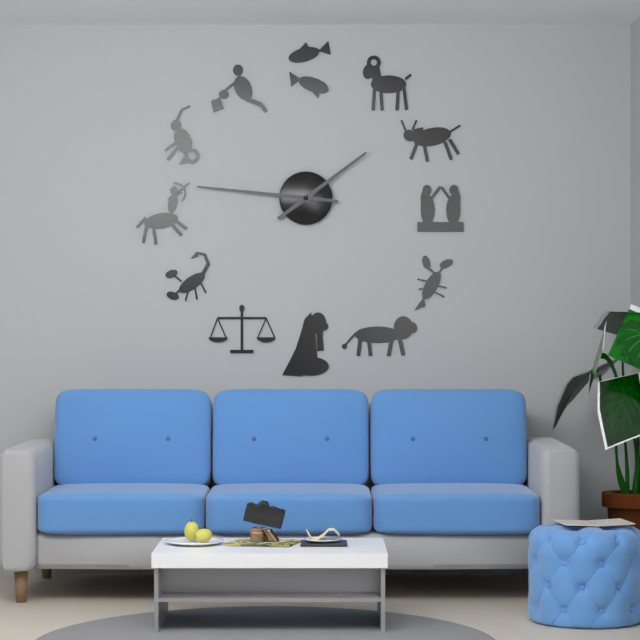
1:46
